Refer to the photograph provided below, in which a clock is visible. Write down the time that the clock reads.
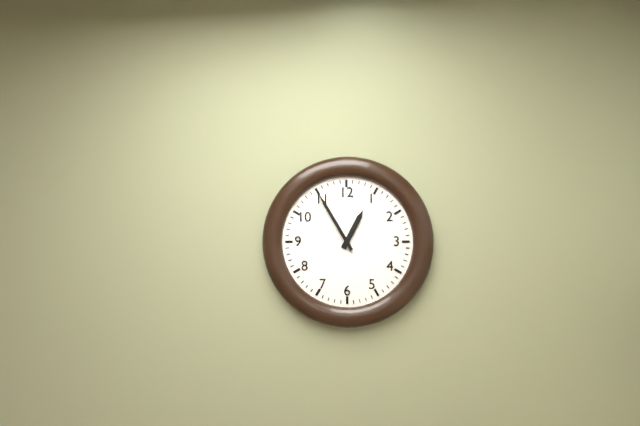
12:55
